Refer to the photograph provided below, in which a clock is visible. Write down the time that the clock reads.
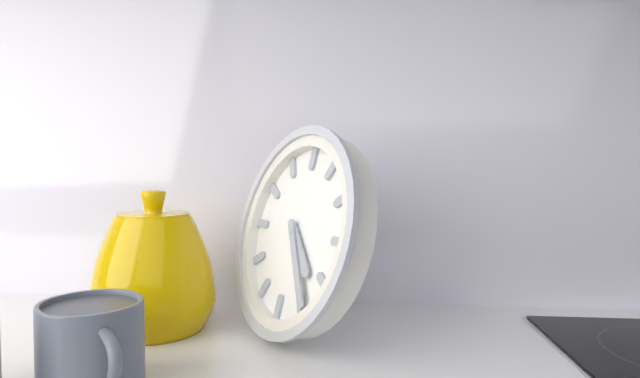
4:24
